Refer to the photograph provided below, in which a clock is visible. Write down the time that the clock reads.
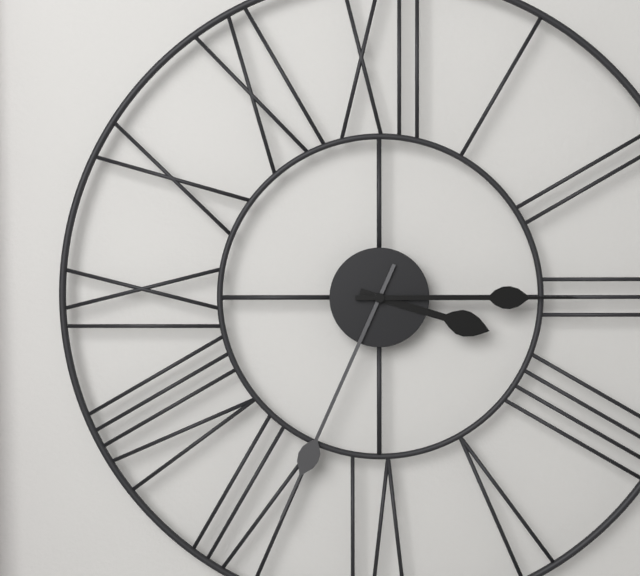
3:34:15
